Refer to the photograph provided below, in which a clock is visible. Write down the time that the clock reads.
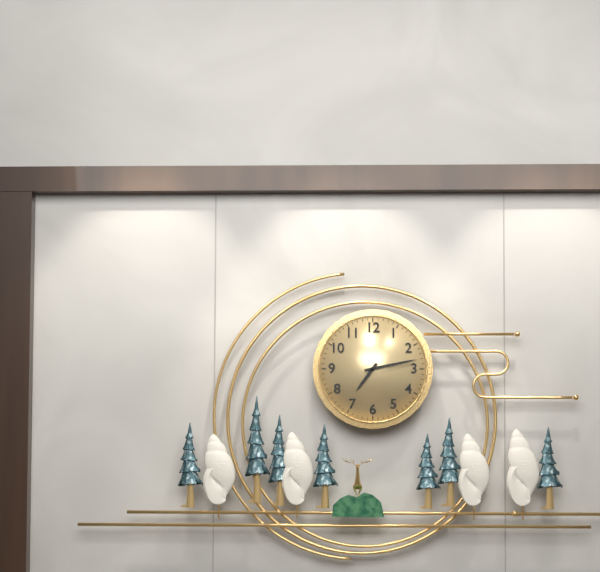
7:13
